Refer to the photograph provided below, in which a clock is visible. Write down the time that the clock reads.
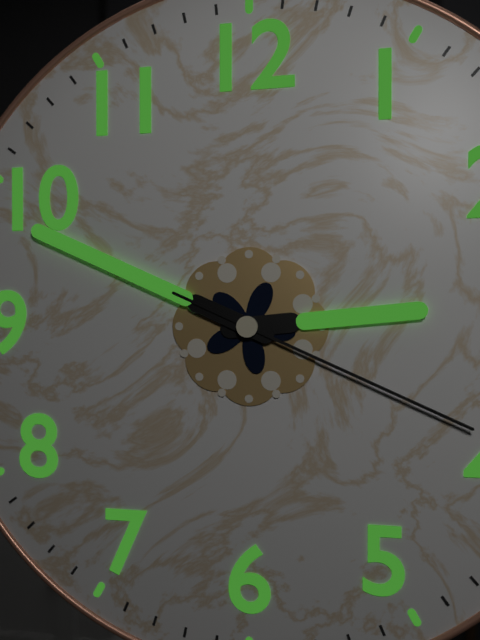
2:49:19
